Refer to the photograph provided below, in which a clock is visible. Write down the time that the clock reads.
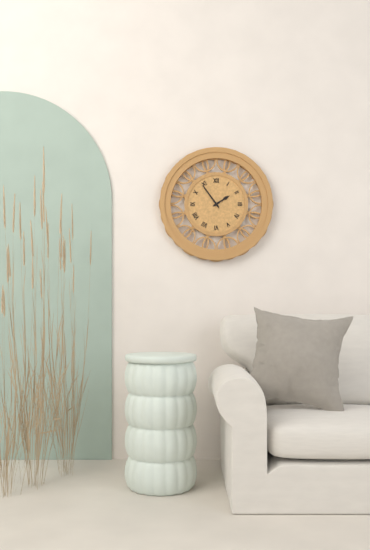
1:54
